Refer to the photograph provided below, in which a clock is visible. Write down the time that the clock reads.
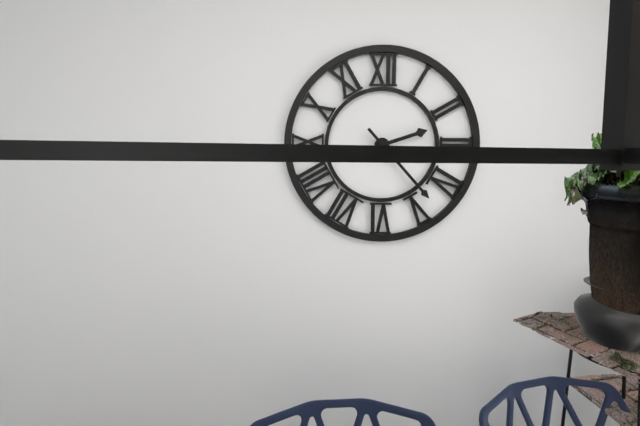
2:23
